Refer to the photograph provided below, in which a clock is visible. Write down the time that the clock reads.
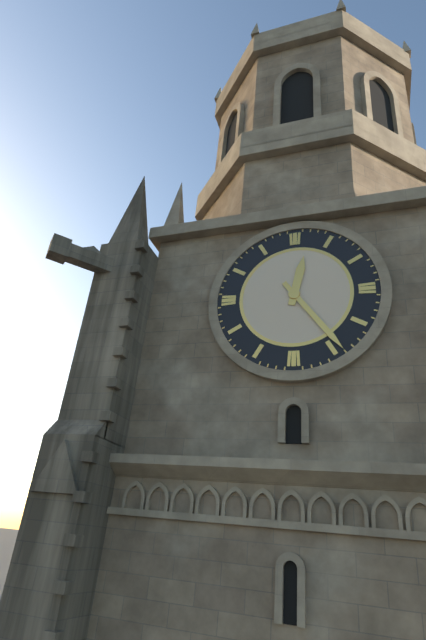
12:24
